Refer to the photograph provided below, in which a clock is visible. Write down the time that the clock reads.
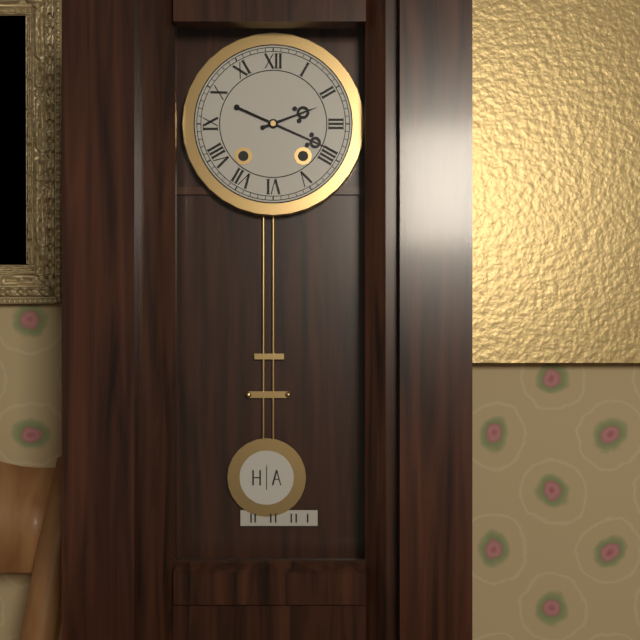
2:19
